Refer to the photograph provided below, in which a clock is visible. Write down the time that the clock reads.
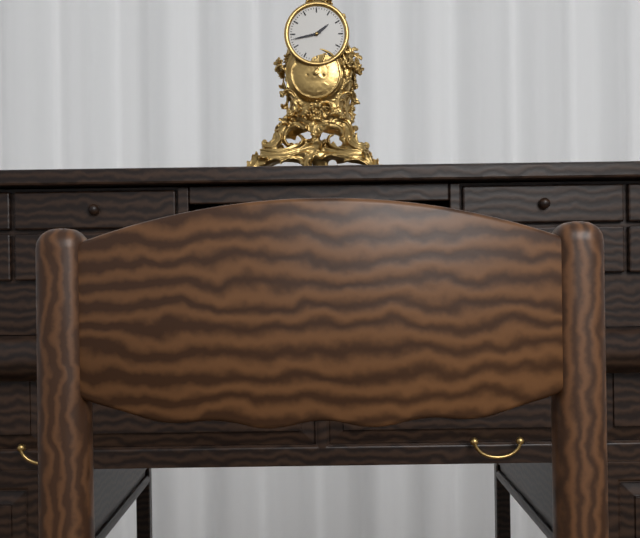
1:43
